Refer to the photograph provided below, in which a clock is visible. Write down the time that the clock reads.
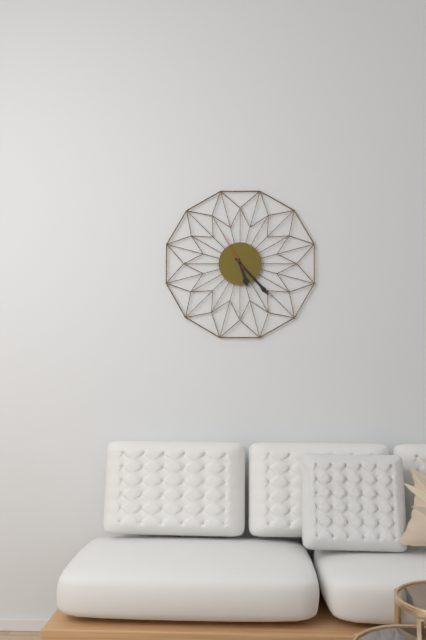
5:23
